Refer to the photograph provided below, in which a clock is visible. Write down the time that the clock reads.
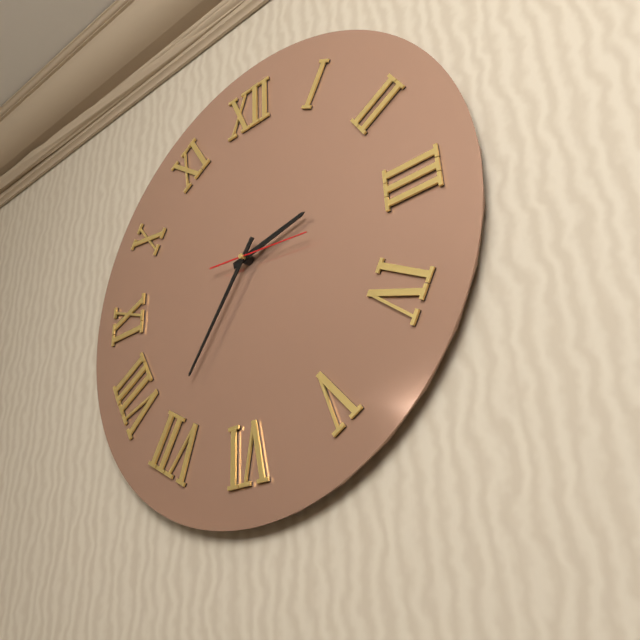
2:36:16
